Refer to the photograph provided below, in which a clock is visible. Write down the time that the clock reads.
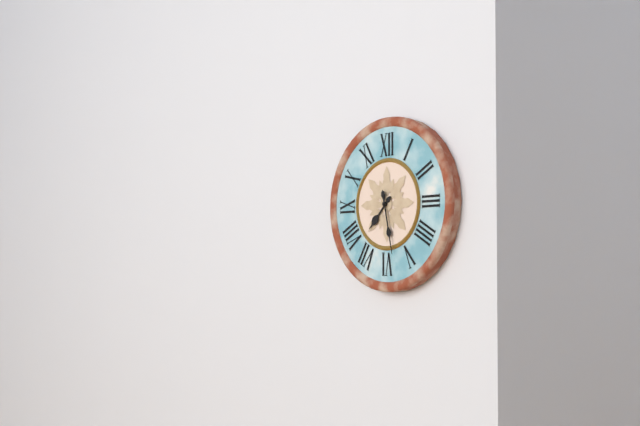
7:28
